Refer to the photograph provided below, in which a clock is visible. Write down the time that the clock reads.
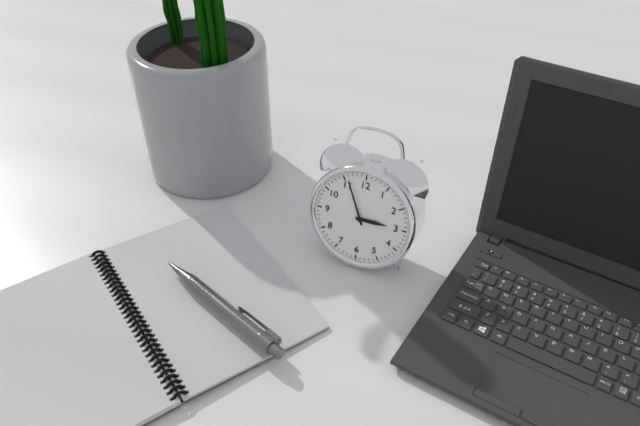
2:56
